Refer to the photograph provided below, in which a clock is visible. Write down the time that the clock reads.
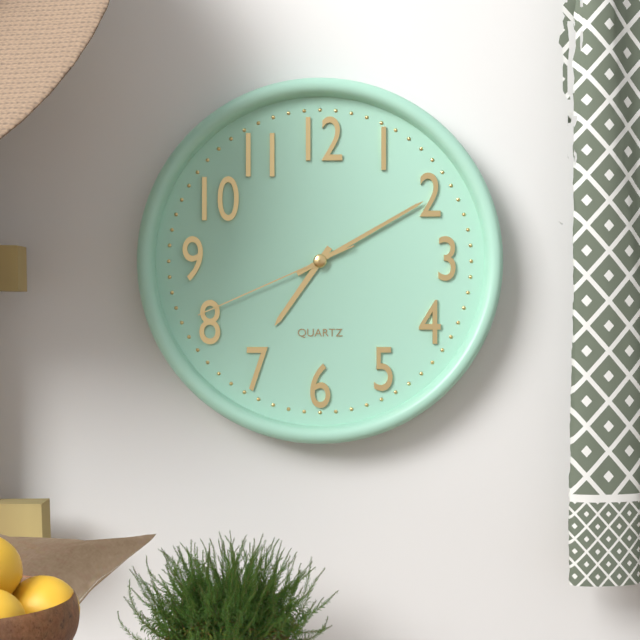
7:10:41
